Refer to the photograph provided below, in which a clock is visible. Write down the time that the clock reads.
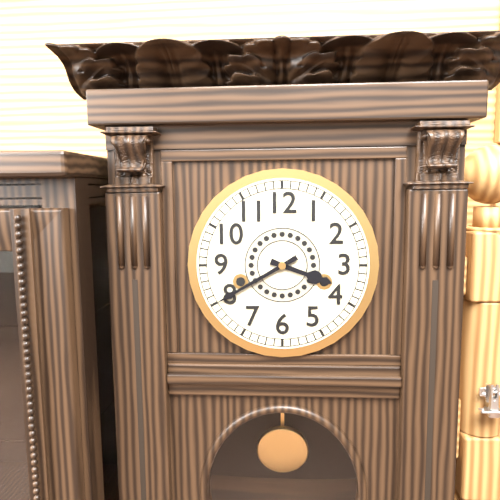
3:40
